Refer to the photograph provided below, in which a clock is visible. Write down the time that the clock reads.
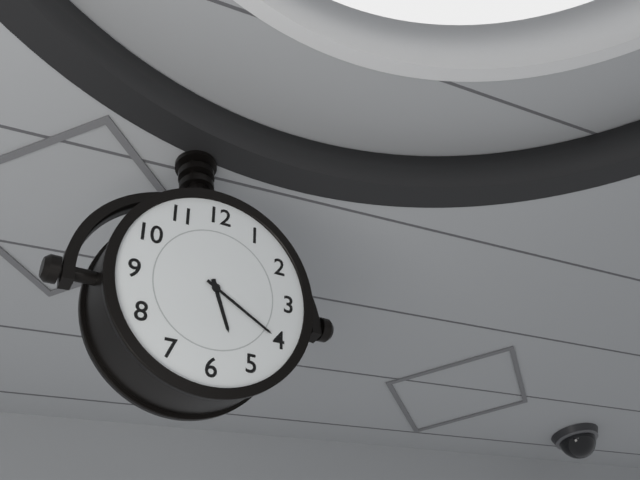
5:20
